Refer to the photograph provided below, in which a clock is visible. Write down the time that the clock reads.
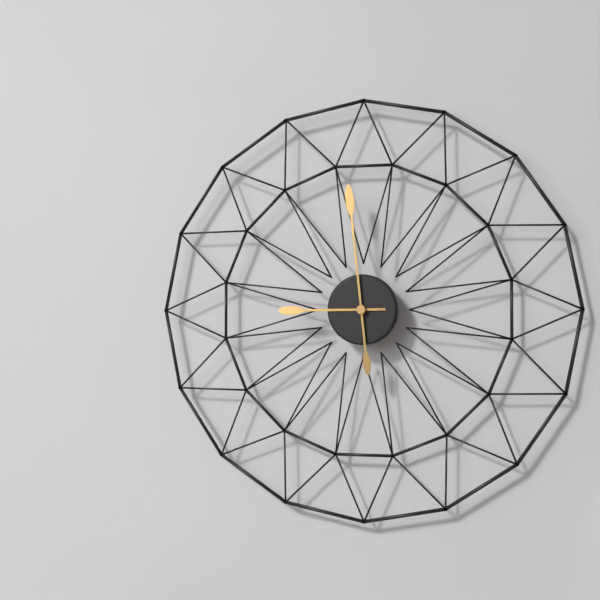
8:59
